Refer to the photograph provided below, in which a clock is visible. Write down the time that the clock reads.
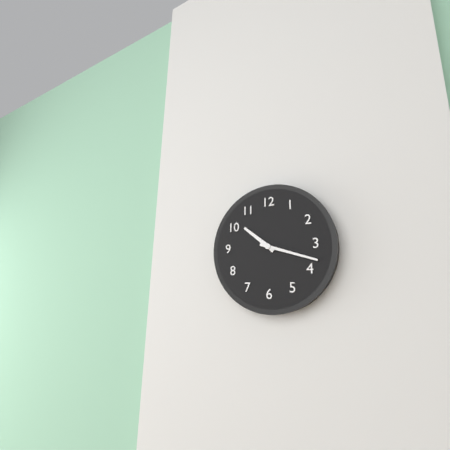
10:18
